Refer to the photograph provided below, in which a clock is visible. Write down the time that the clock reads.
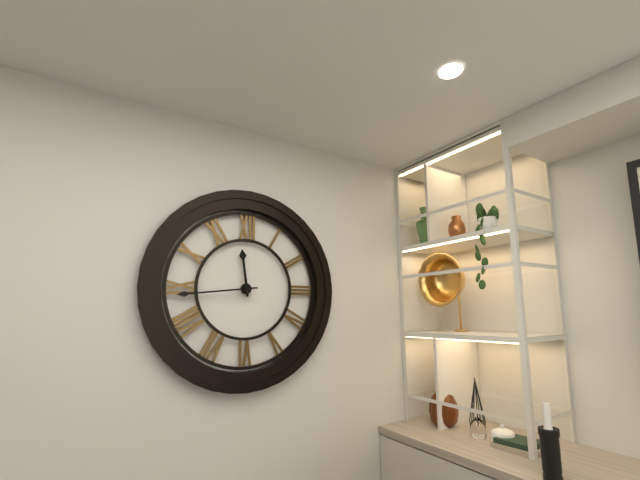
11:44
